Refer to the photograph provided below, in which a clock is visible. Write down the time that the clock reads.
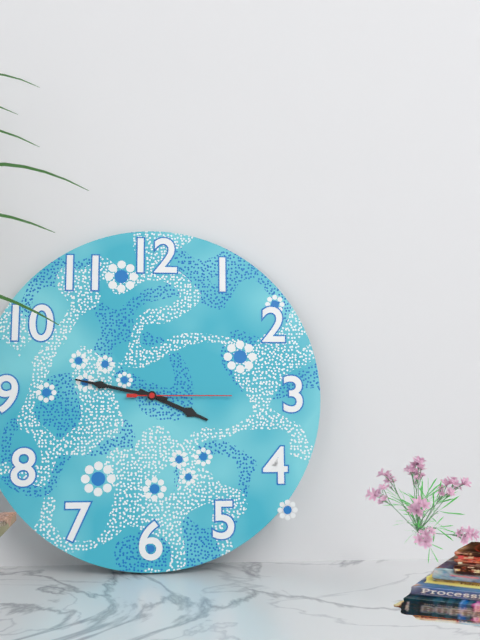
3:47:15
